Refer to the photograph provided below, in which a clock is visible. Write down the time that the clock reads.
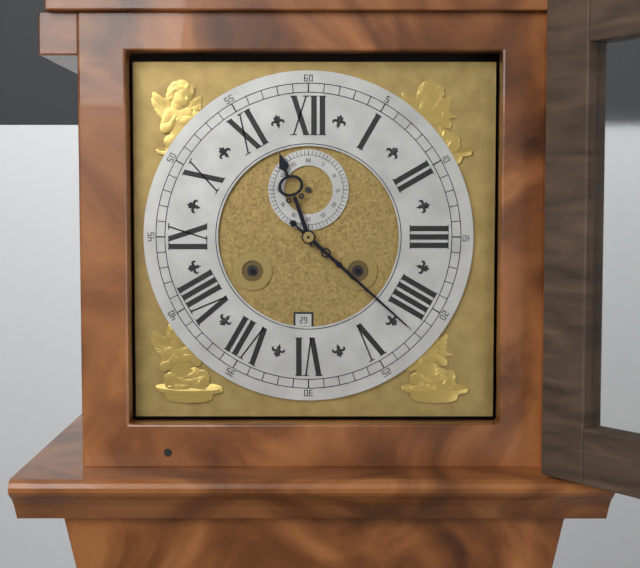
11:22
